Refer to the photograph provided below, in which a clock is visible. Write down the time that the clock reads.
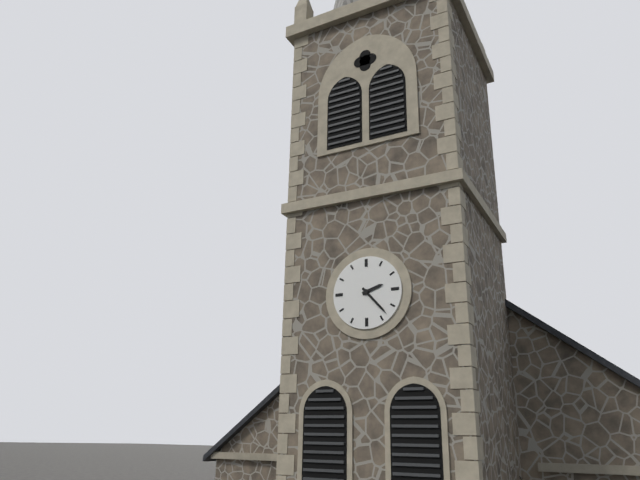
2:23
